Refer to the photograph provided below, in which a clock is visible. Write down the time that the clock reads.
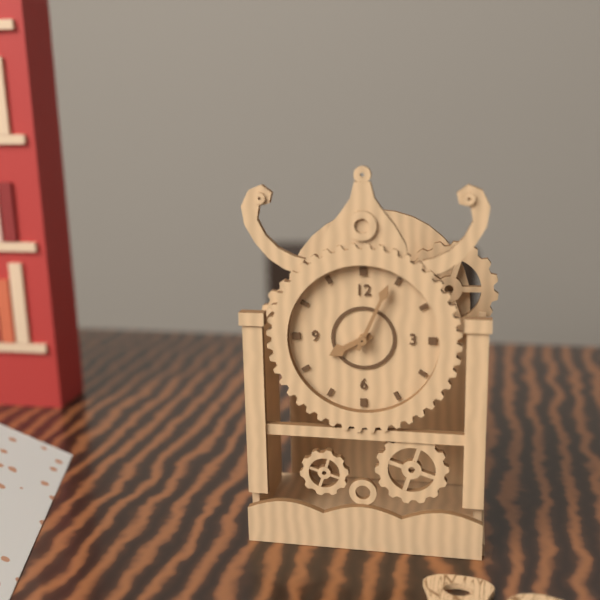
8:04
